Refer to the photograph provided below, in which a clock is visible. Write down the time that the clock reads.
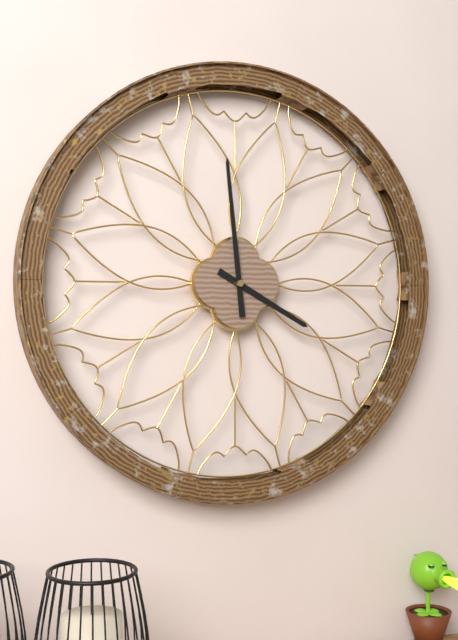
3:59
